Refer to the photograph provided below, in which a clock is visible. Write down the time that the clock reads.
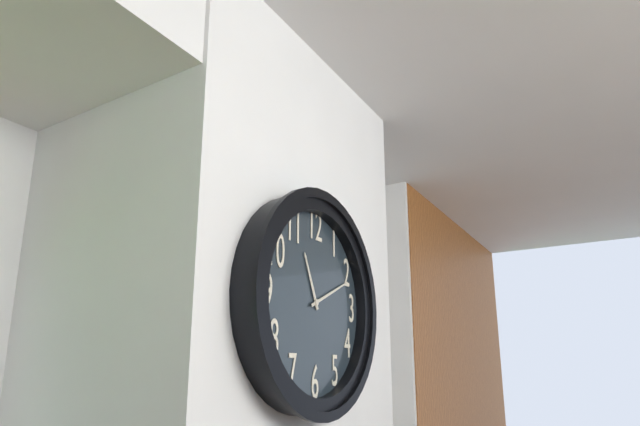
11:11
